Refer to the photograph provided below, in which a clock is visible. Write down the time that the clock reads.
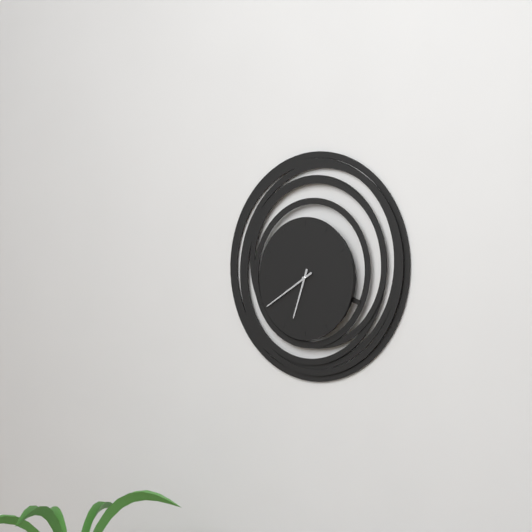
6:40
